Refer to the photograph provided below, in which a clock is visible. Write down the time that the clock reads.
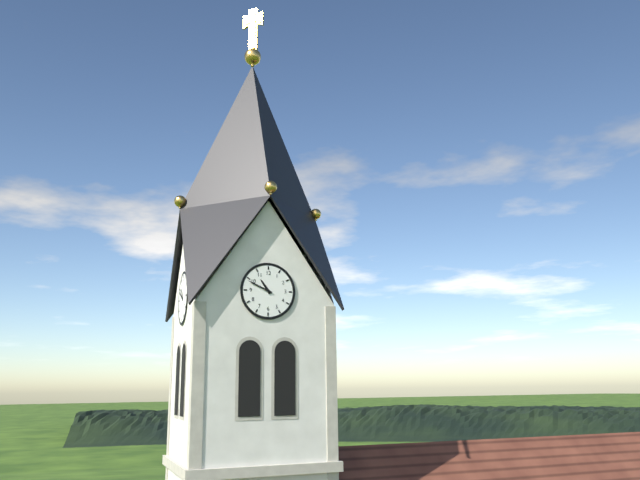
10:49
